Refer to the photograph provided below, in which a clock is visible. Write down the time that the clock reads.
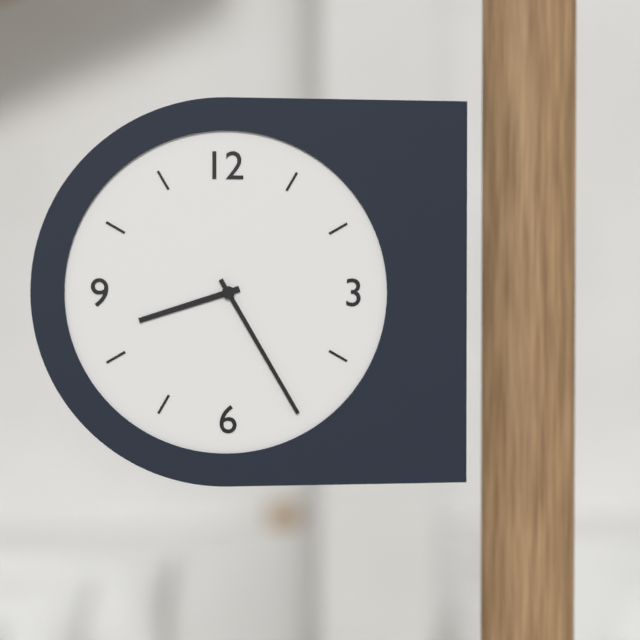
8:25
